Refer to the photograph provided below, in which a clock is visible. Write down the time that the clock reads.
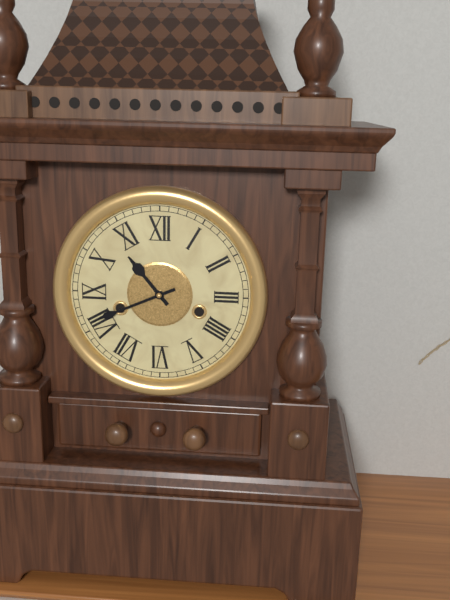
10:41
